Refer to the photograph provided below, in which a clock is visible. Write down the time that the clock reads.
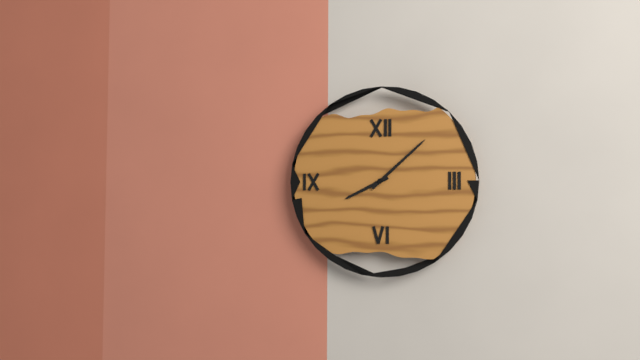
8:08
